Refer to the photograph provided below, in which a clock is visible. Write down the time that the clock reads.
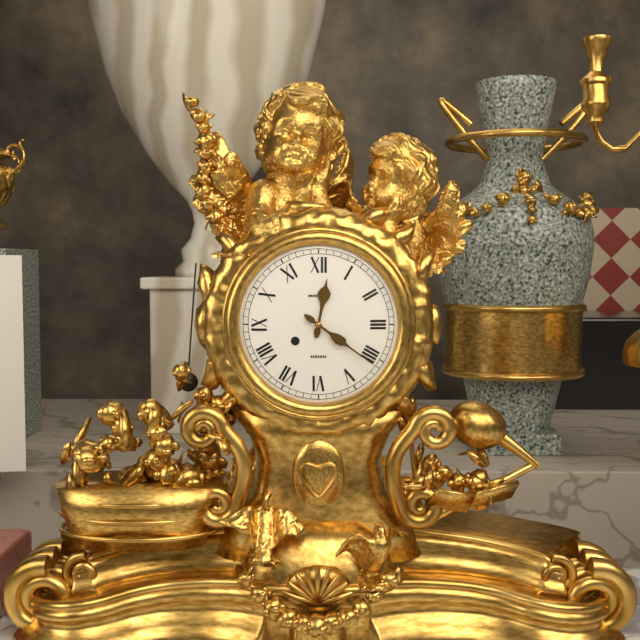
12:21
